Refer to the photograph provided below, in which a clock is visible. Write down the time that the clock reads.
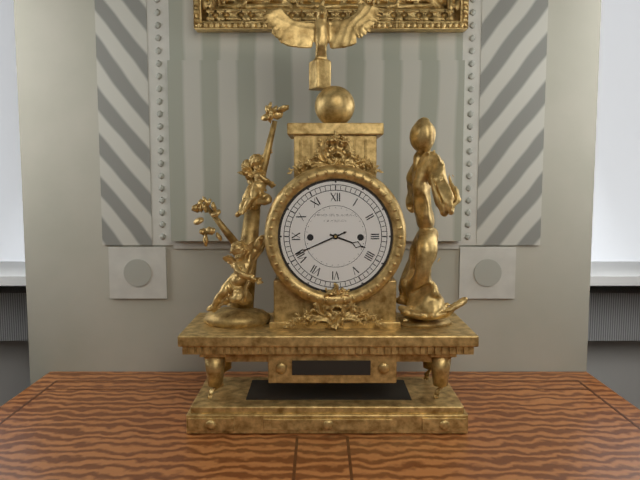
3:41
